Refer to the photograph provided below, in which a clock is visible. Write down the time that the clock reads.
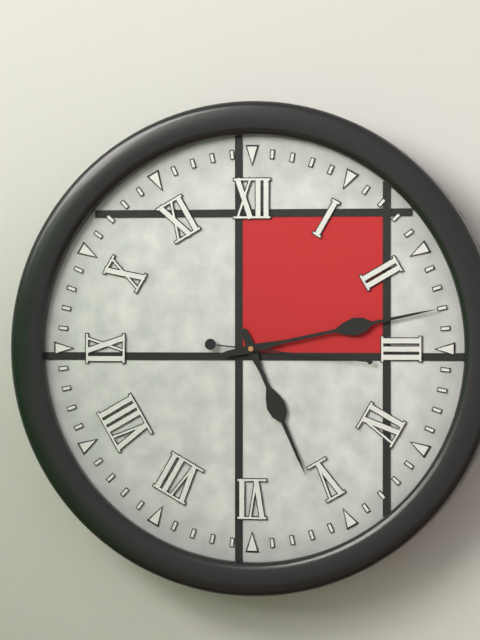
5:13:16
